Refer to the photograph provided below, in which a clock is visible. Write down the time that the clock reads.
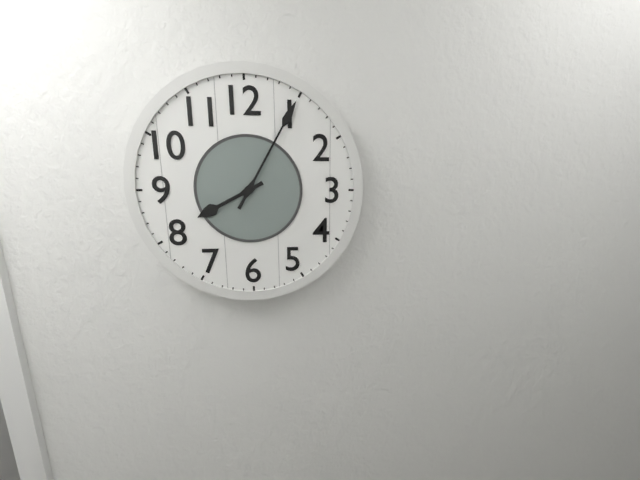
8:05
